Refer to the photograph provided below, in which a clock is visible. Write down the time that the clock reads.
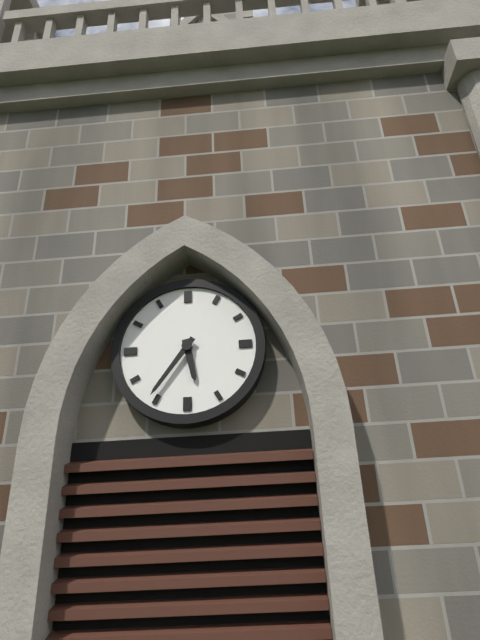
5:36
